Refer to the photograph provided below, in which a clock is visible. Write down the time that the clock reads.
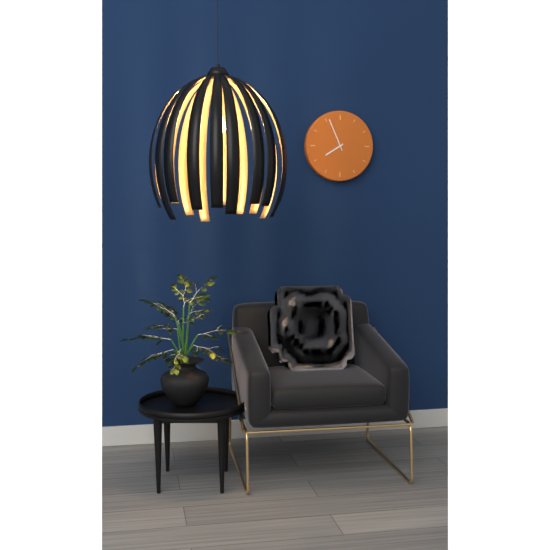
7:56
